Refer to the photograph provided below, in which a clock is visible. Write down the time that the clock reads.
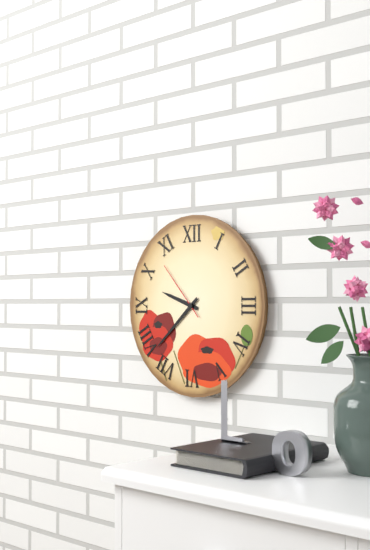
9:38:53
